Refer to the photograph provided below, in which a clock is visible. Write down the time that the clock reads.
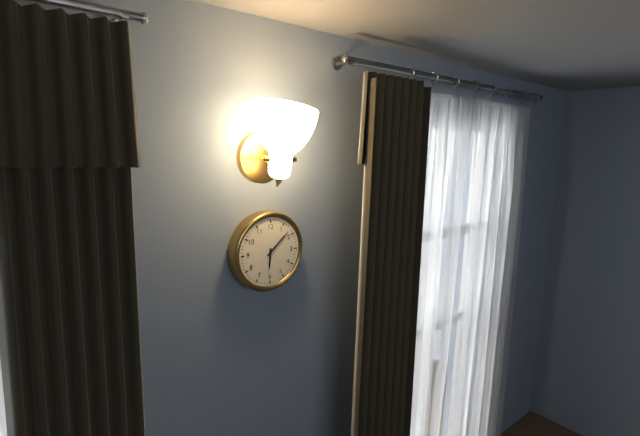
6:08
